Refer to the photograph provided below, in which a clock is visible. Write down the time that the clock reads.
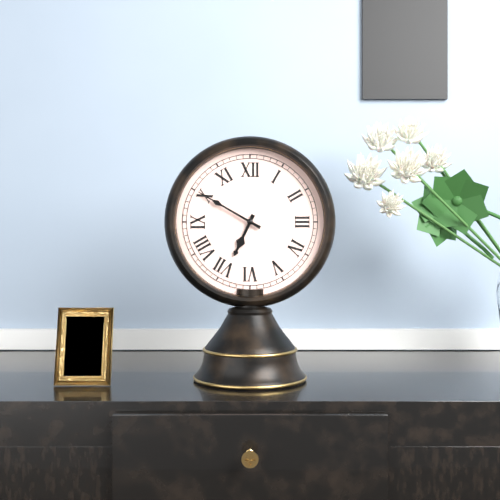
6:50
